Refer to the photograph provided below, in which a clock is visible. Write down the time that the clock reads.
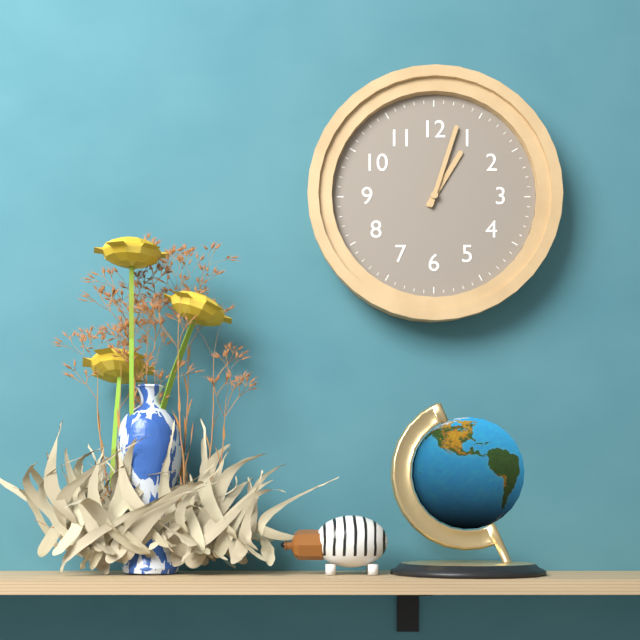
1:03
